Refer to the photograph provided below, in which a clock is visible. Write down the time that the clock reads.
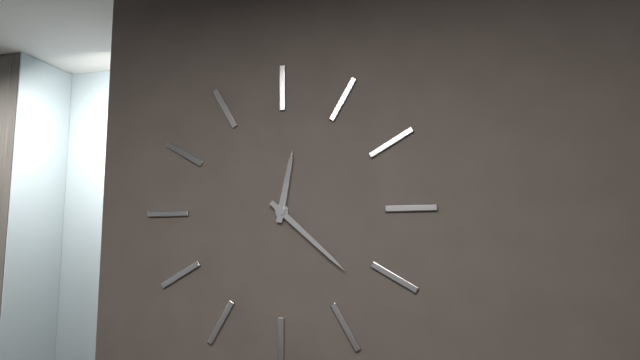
12:22
